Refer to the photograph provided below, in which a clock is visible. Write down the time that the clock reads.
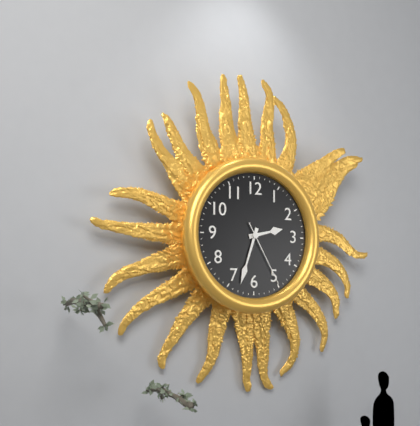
2:33:25
